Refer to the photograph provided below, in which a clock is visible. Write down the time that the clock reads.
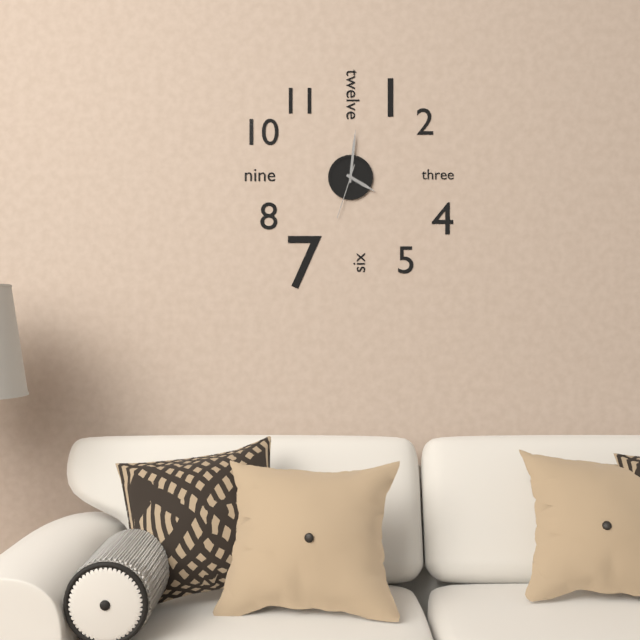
4:01:33
